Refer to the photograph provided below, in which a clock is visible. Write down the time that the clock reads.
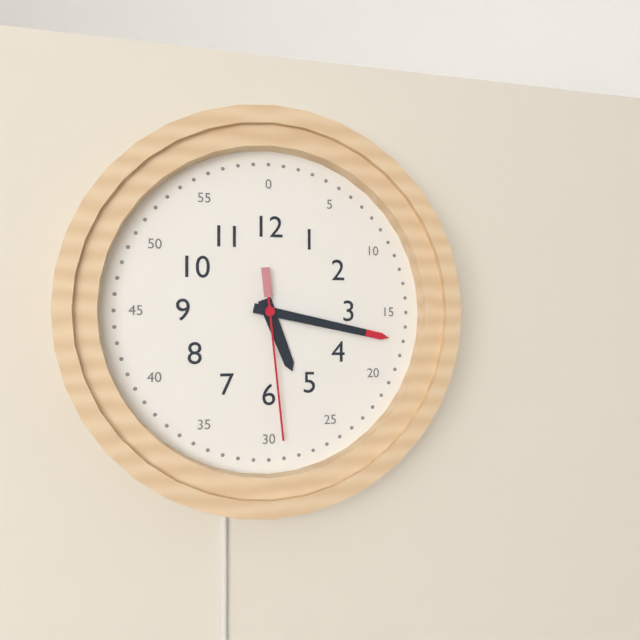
5:17:29
